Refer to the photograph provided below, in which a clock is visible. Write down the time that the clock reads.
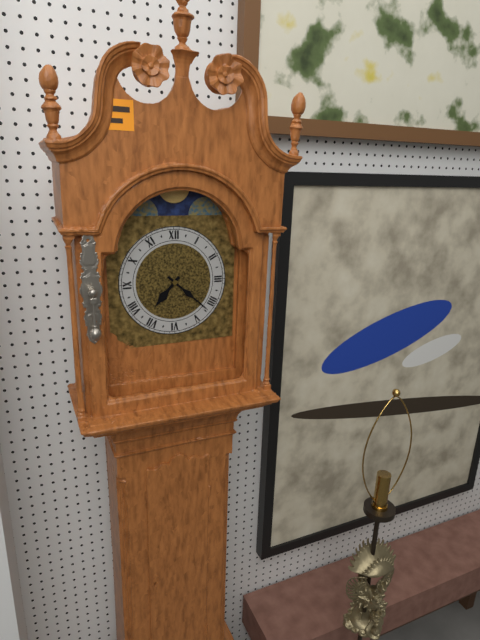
7:22
